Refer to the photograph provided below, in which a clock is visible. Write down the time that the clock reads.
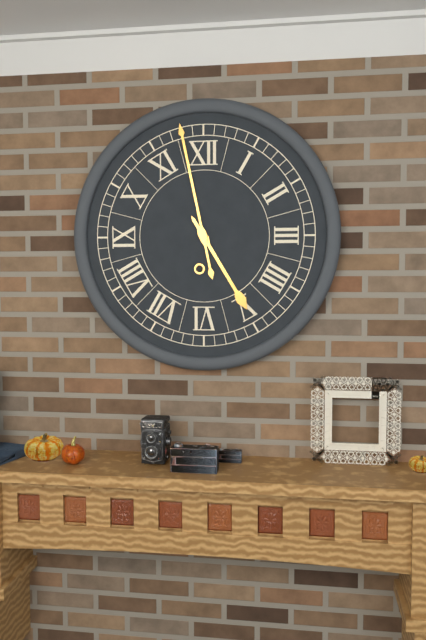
4:58
